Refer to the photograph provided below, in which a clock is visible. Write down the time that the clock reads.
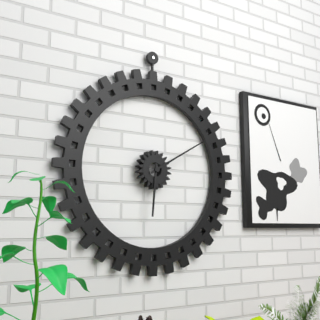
6:10
